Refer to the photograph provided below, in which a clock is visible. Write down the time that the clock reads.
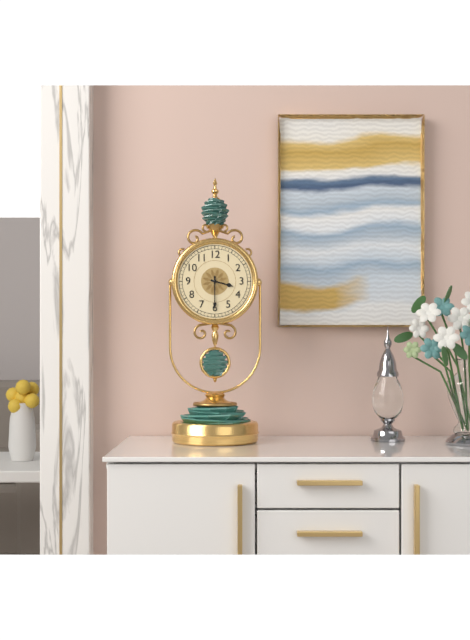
3:30
